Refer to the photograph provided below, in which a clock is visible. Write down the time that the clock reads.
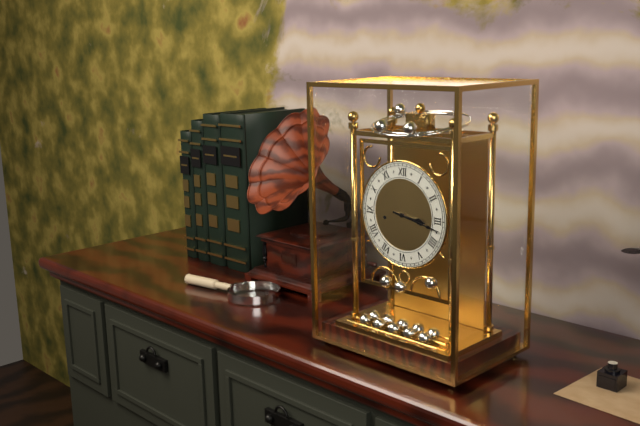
3:17
